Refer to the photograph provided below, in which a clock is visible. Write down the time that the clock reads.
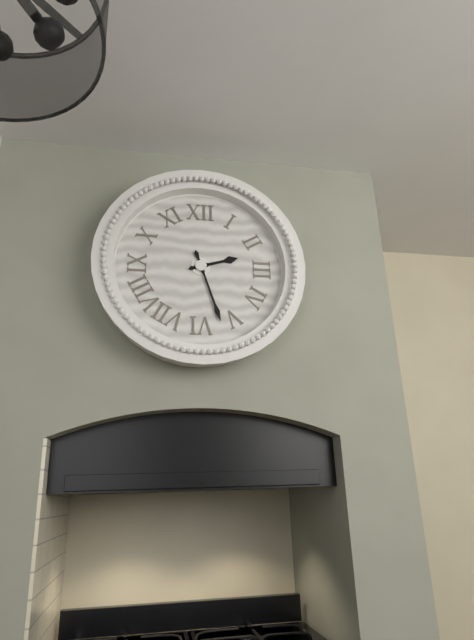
2:27
